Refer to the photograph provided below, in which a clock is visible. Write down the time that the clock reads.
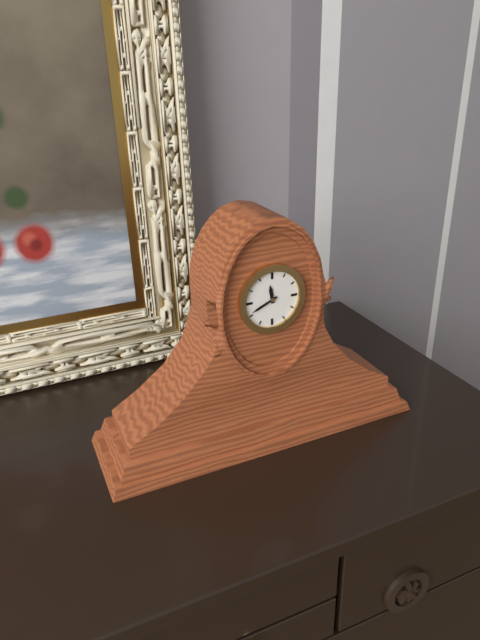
11:41
